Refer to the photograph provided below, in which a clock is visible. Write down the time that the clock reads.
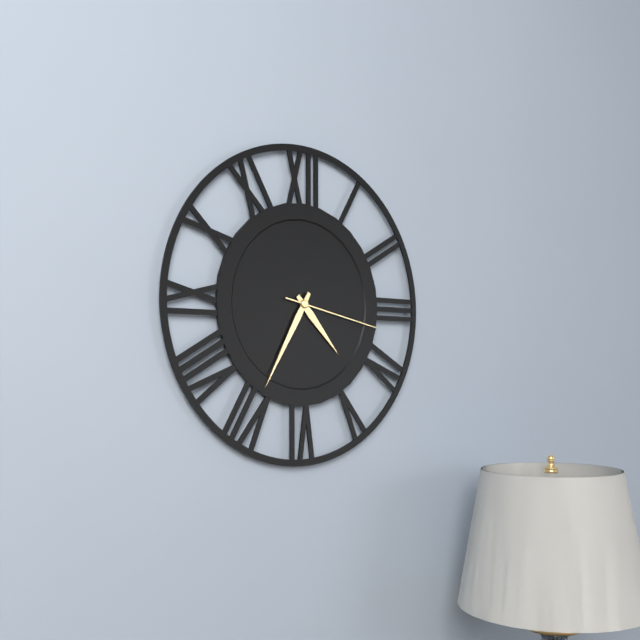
4:35:17
